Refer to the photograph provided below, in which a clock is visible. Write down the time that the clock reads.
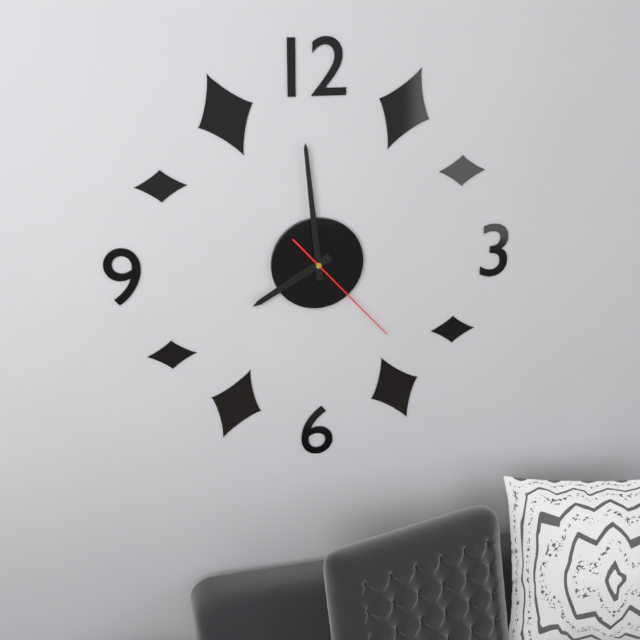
7:59:23
